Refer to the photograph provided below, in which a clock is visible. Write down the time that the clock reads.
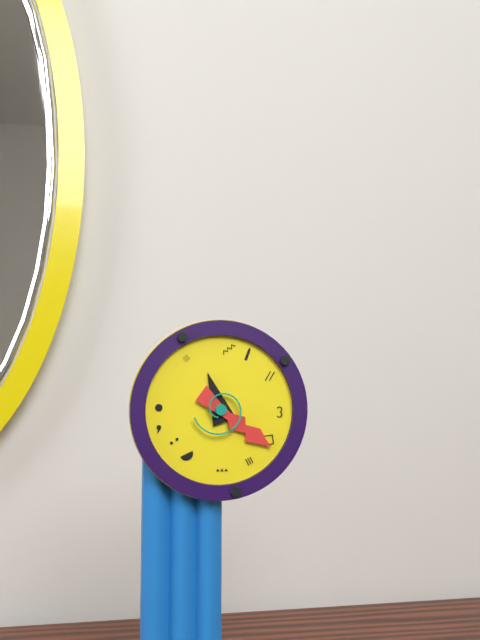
11:21
